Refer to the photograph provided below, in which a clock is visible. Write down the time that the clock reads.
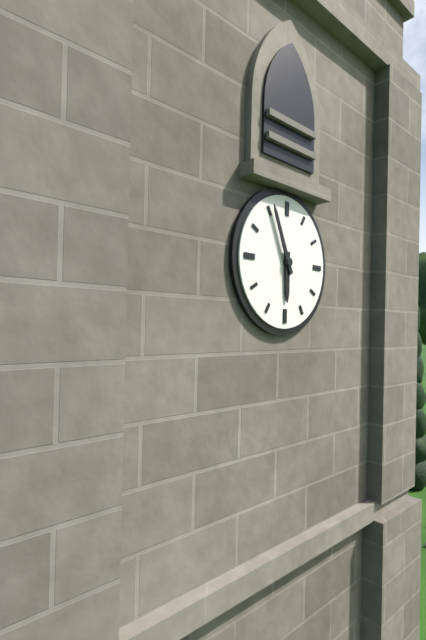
5:56
